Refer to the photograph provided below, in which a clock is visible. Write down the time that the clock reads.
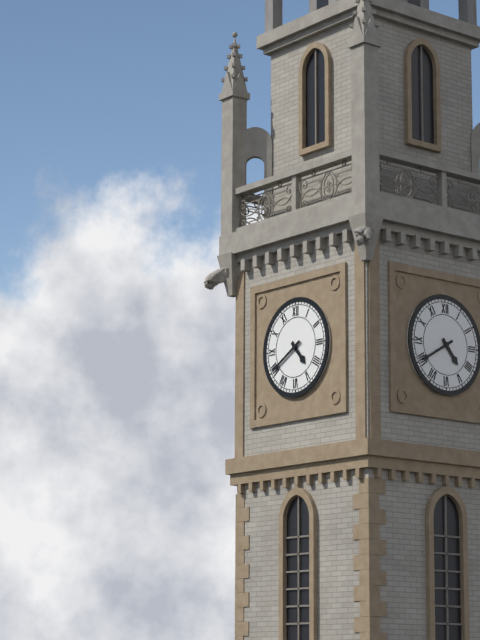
4:40
